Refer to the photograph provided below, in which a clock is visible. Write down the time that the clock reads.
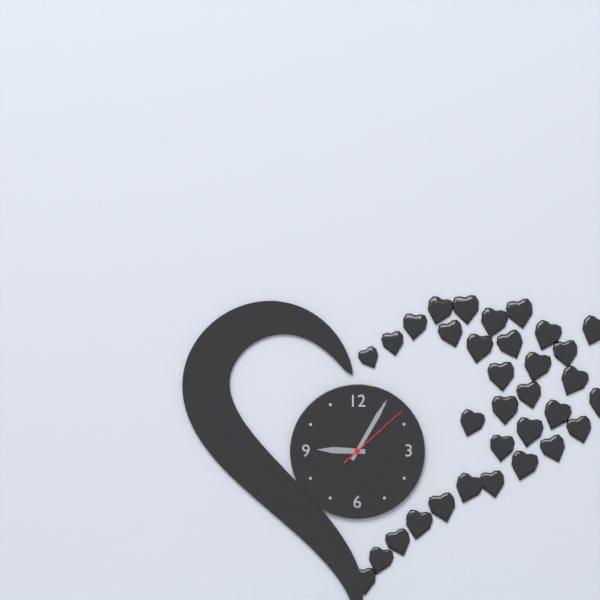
9:05:08
